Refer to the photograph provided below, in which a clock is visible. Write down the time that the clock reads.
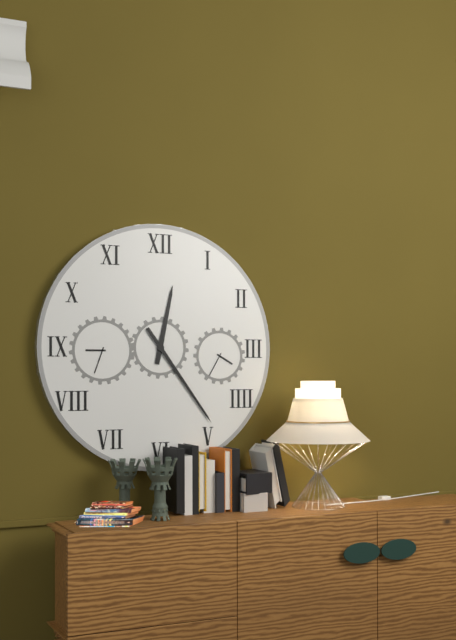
12:24
